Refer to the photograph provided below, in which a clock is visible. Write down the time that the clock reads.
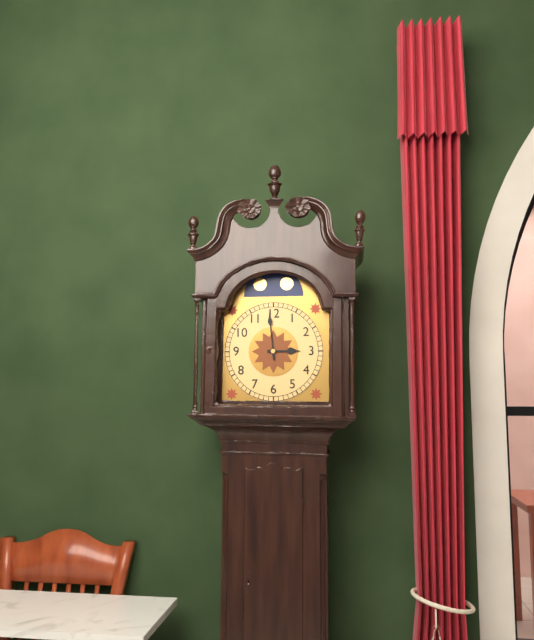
2:59
